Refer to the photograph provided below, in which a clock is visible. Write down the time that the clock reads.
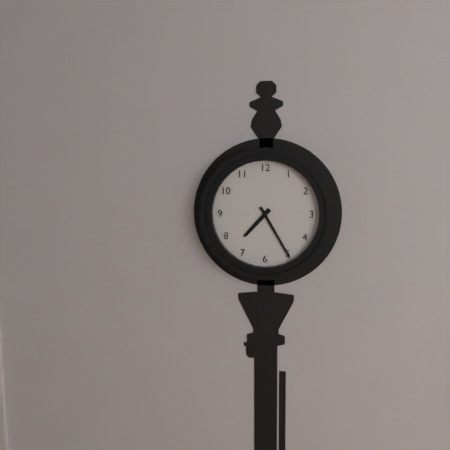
7:25
